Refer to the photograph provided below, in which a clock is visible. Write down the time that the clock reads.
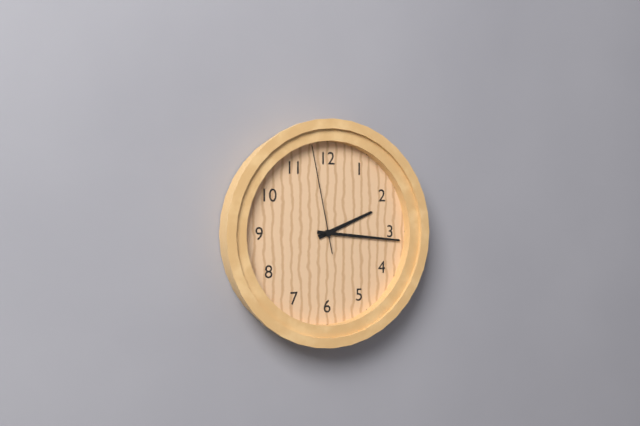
2:16:58
